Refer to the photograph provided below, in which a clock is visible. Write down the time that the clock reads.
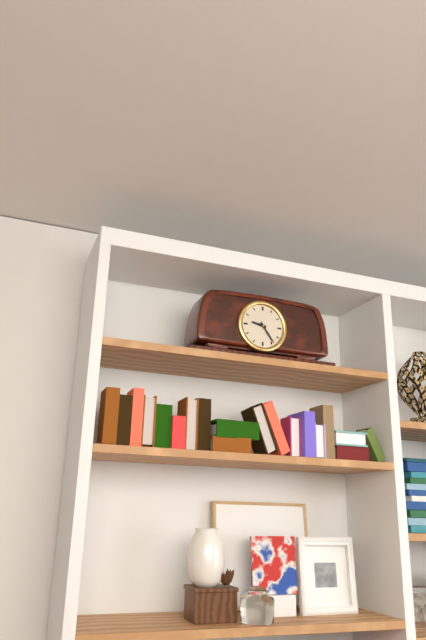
9:24
